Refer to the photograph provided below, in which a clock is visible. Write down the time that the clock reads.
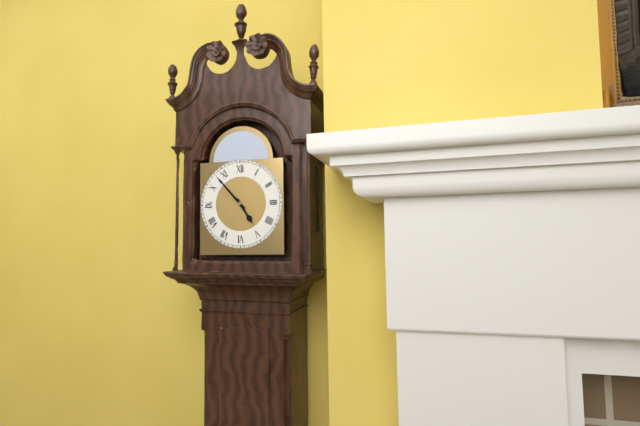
4:53
